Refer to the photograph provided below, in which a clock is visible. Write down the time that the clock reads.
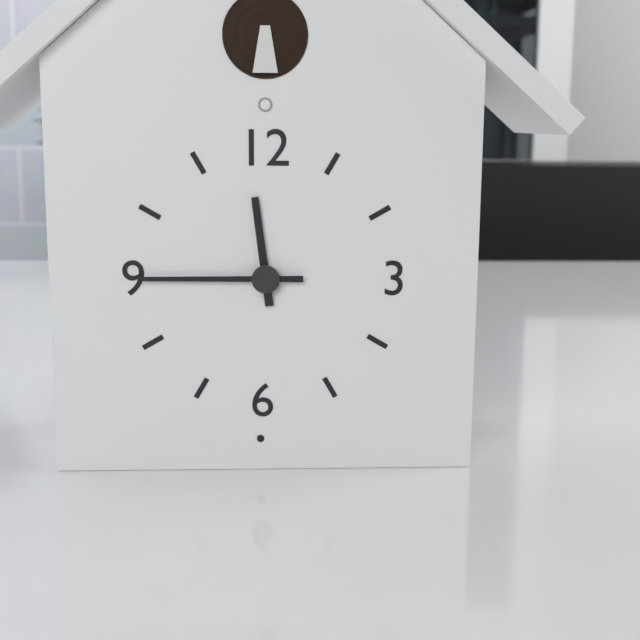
11:45
